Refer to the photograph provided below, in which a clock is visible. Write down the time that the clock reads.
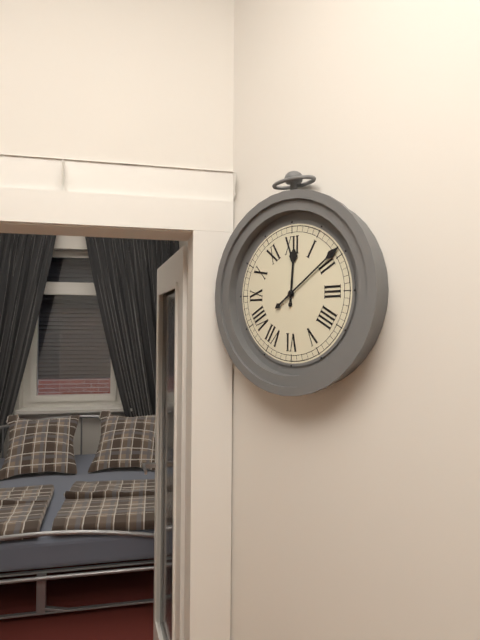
12:09
